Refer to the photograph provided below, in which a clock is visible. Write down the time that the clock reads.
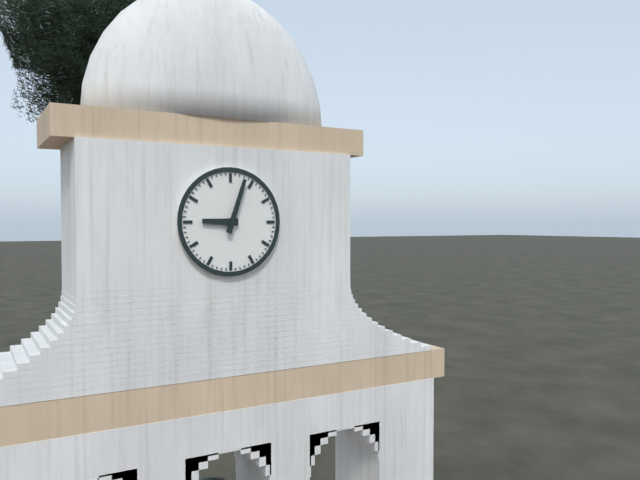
9:03
